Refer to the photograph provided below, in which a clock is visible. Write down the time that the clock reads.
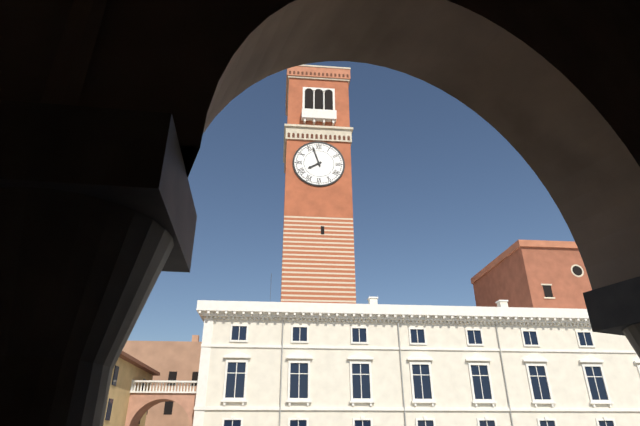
7:57
